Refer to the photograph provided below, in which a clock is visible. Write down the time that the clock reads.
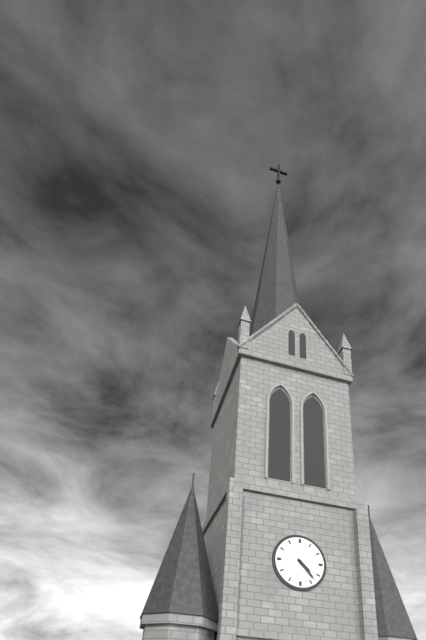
4:23
